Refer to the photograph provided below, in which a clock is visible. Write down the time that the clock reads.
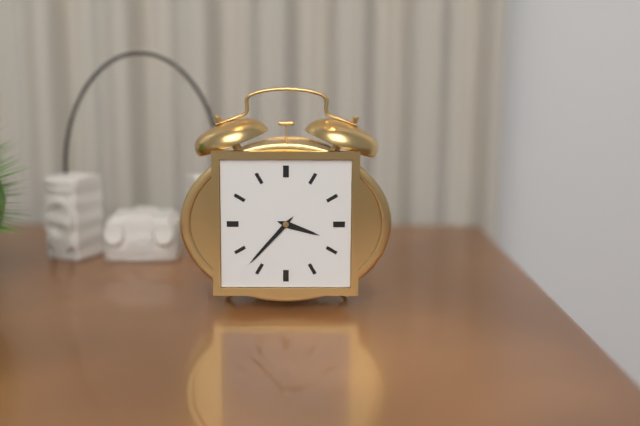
3:37
